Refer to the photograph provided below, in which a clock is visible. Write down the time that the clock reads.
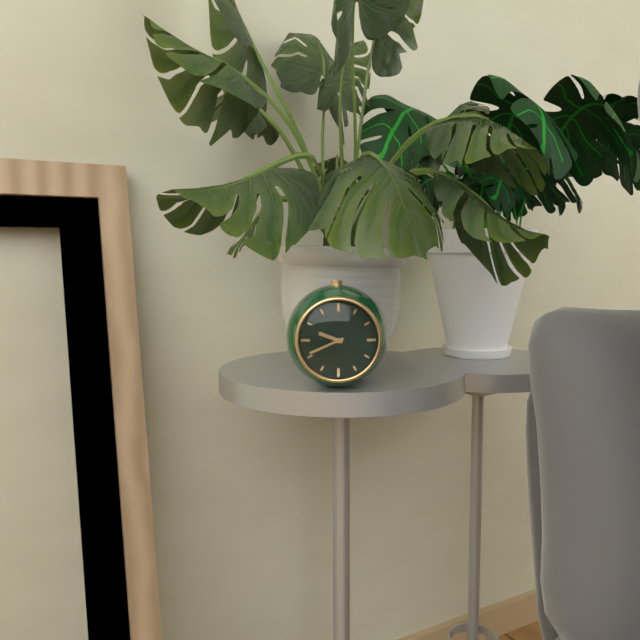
9:41
